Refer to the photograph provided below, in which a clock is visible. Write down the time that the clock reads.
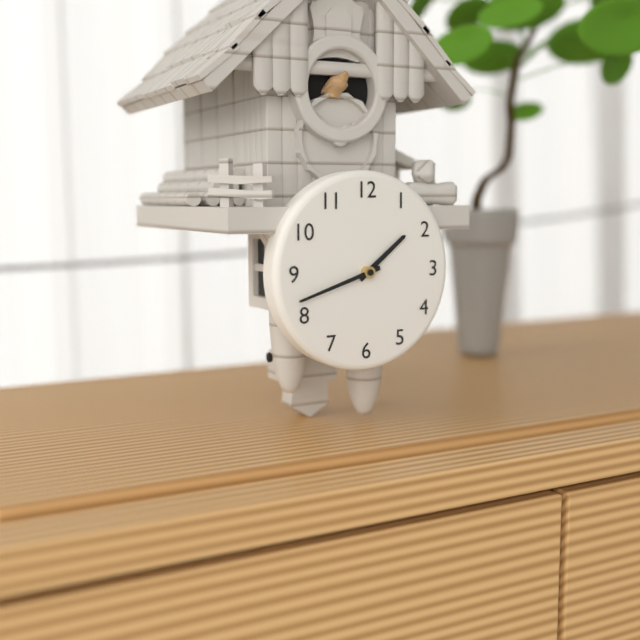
1:42
